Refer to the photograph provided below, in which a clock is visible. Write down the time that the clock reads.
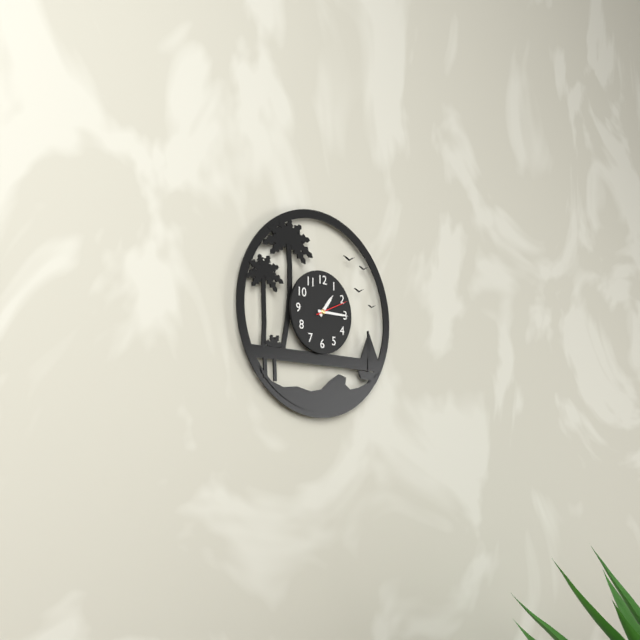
1:15
